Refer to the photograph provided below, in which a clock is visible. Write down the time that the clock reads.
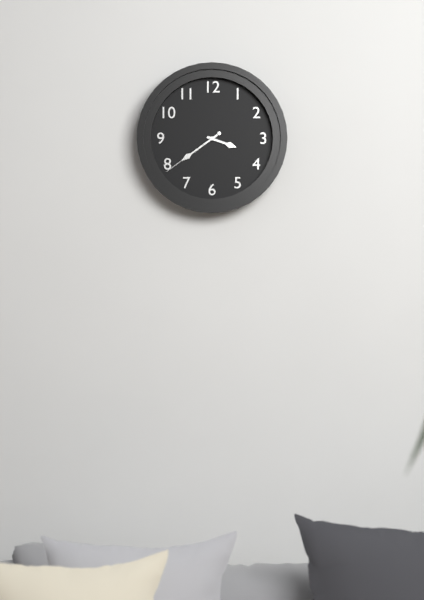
3:39:39
